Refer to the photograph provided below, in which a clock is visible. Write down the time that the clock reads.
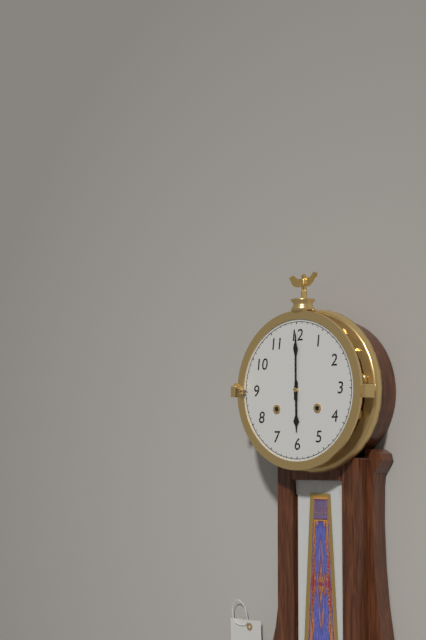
6:00
